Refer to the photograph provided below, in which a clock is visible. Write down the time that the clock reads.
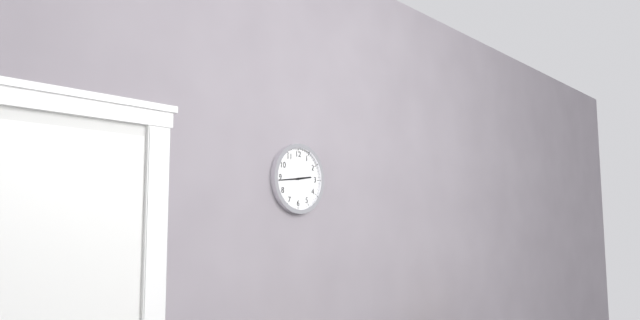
2:44
